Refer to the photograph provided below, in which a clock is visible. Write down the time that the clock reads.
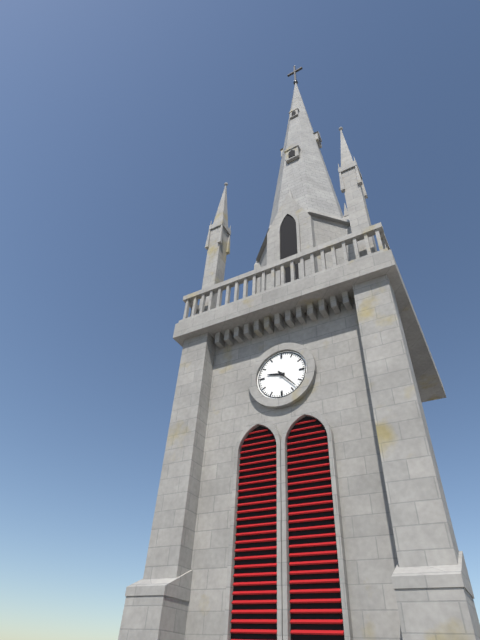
9:23
